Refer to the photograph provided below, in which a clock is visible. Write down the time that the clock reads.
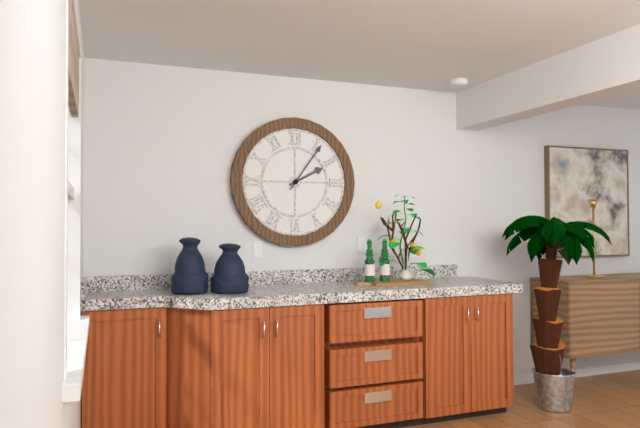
2:06
